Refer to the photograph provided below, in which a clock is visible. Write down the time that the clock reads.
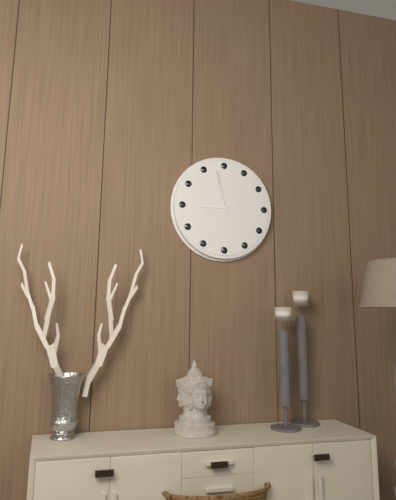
8:58
